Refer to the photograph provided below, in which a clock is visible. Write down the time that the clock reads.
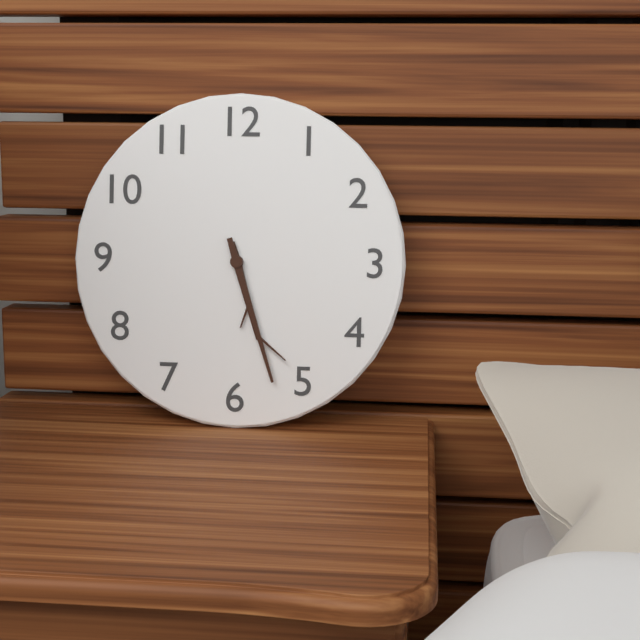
5:27
